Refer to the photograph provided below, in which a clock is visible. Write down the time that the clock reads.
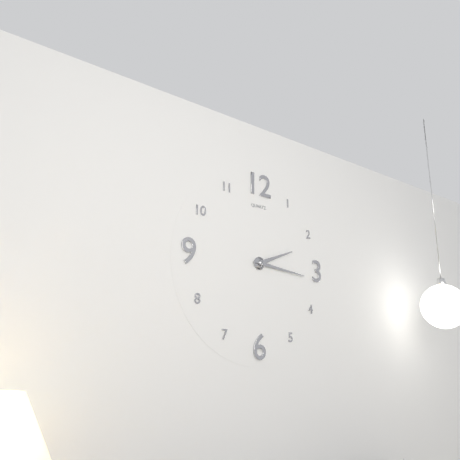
2:16
